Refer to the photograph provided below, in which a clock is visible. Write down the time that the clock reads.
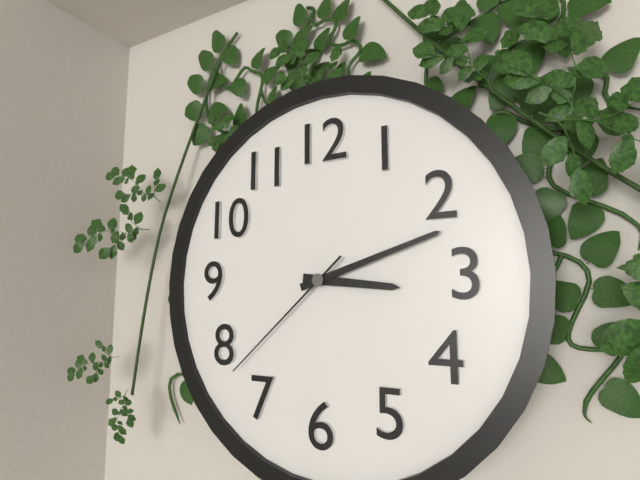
3:12:38
